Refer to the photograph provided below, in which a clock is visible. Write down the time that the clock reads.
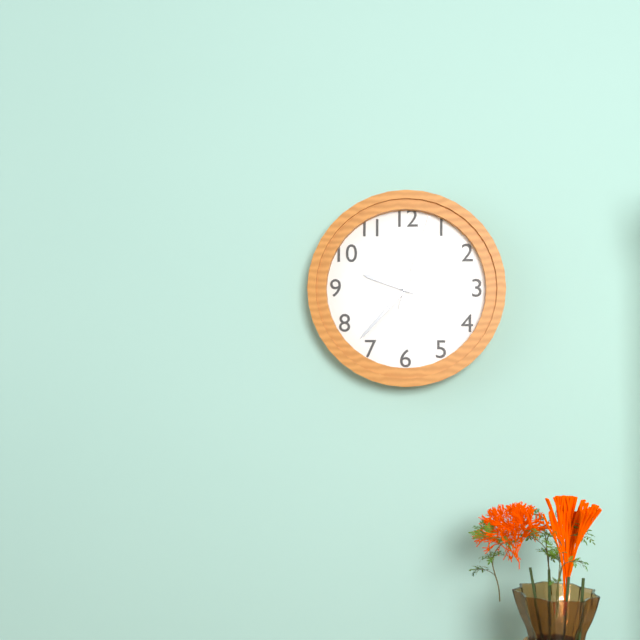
9:37:03
